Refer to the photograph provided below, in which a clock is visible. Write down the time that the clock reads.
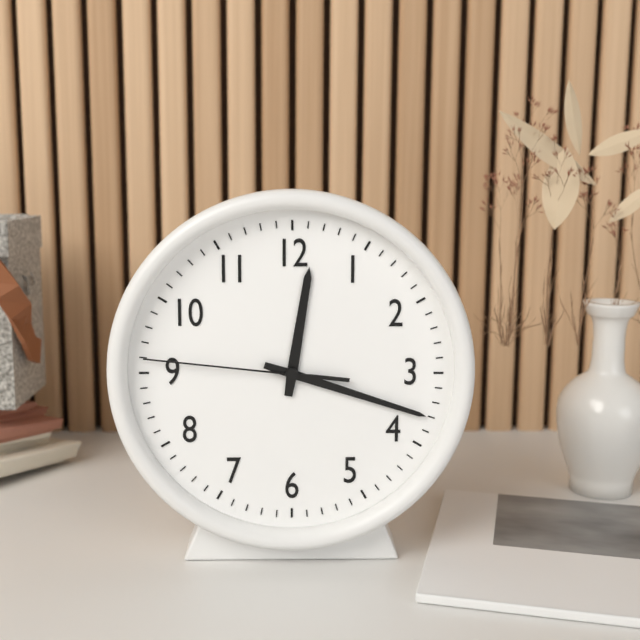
12:18:46
